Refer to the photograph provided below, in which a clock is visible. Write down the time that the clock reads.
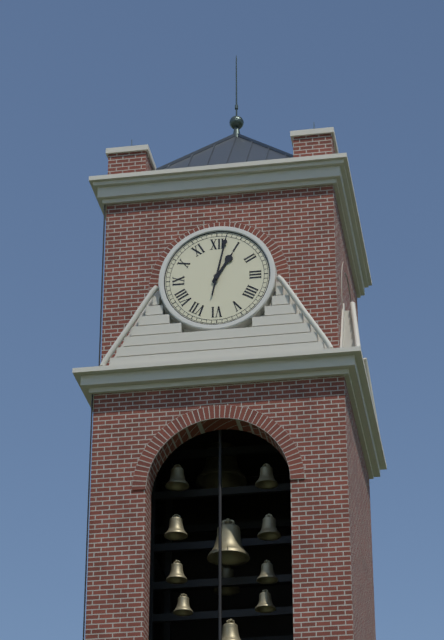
1:02
